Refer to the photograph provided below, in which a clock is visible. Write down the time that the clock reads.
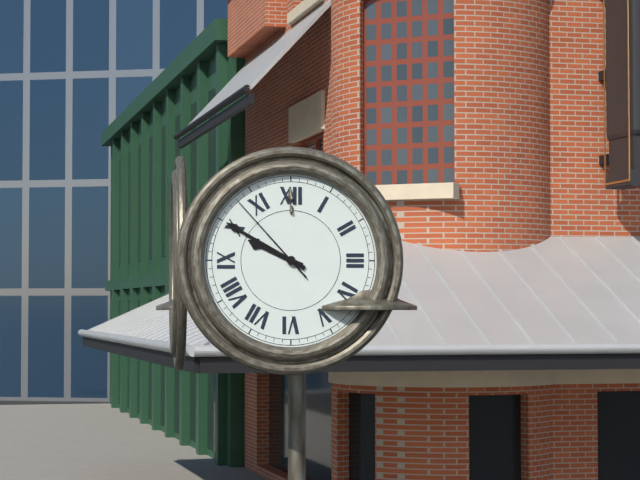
9:50:53
